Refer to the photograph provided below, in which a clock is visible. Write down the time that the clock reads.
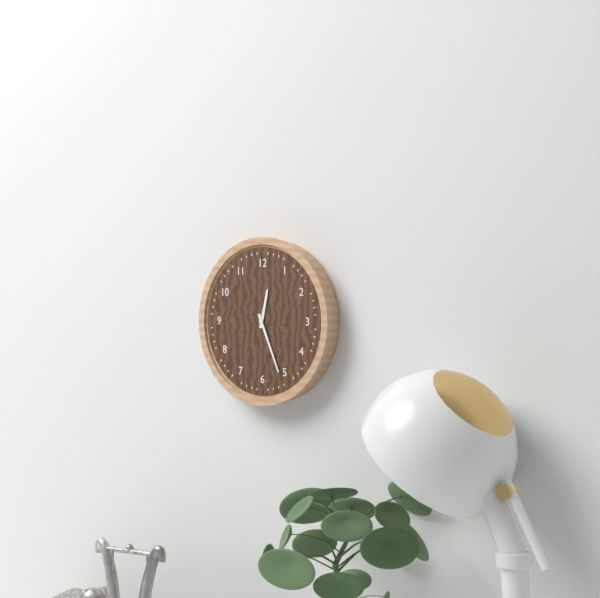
12:26
